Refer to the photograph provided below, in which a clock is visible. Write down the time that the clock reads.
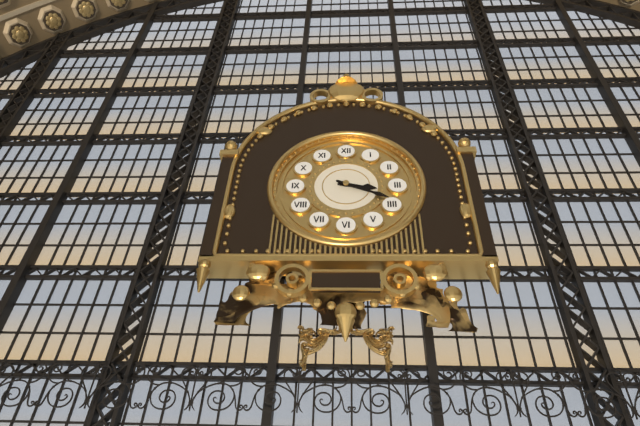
3:19
